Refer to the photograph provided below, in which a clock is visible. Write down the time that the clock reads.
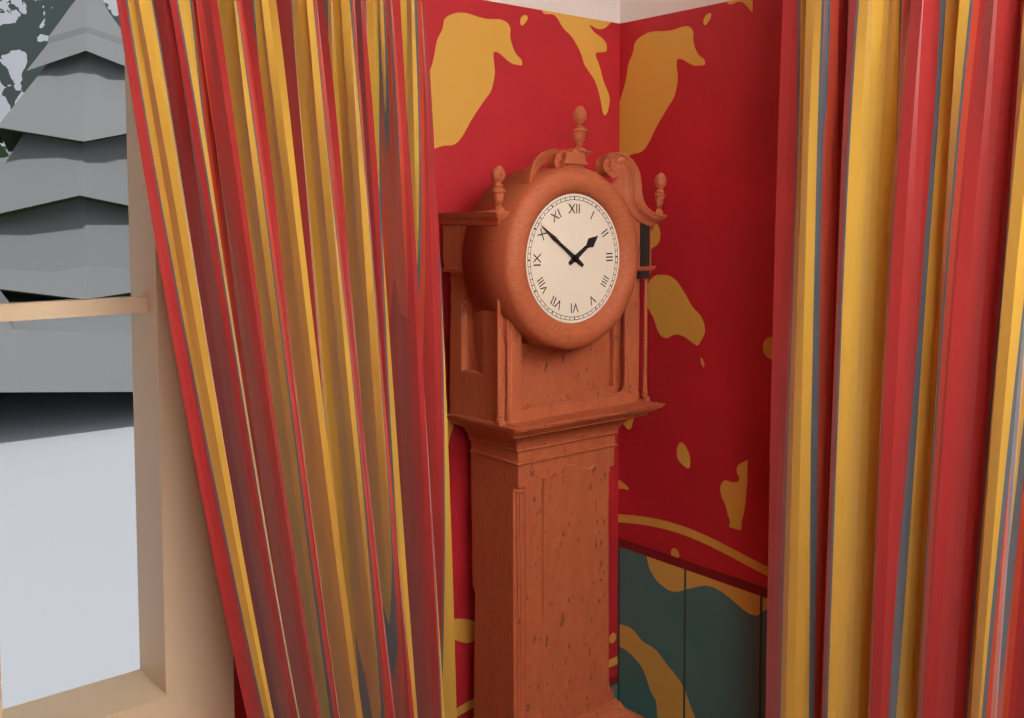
1:51
